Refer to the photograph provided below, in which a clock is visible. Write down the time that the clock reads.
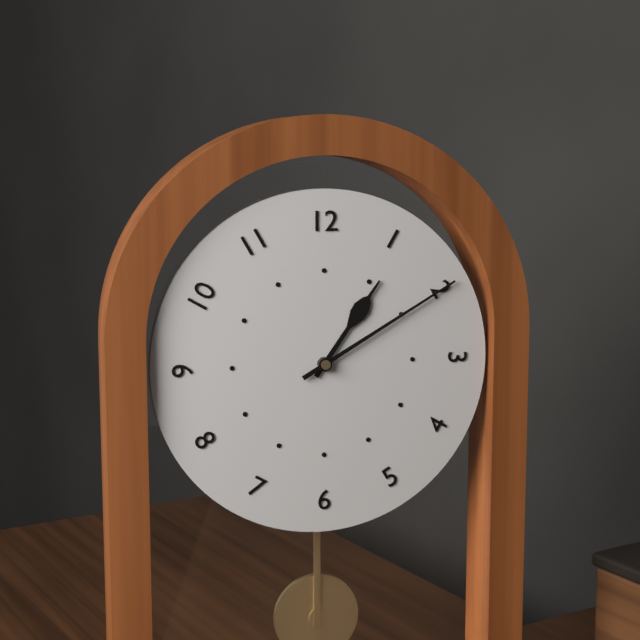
1:10
